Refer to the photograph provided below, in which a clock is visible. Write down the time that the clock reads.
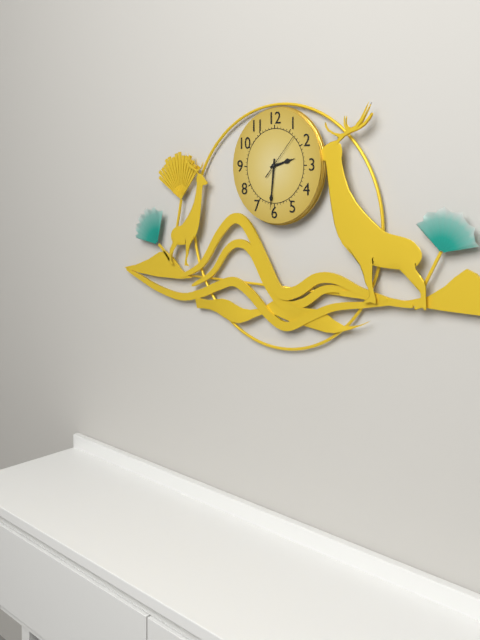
2:31
